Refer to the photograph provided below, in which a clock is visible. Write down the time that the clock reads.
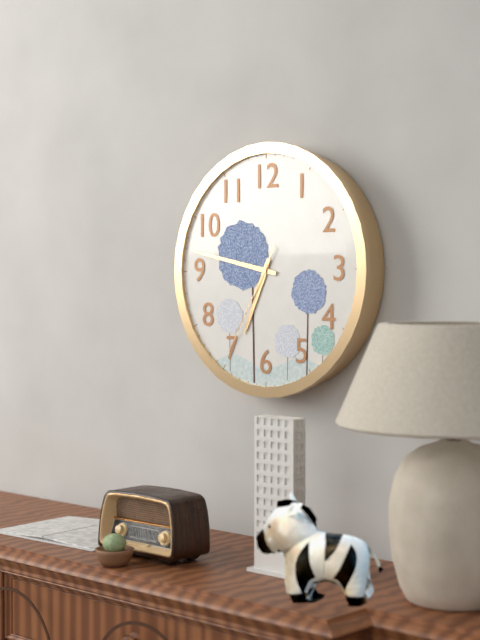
6:47:35
